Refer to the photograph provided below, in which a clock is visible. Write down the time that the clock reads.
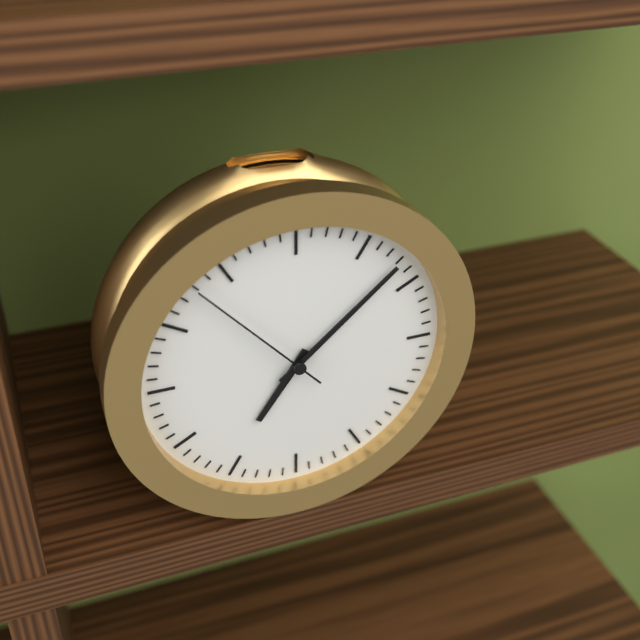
7:08:53
